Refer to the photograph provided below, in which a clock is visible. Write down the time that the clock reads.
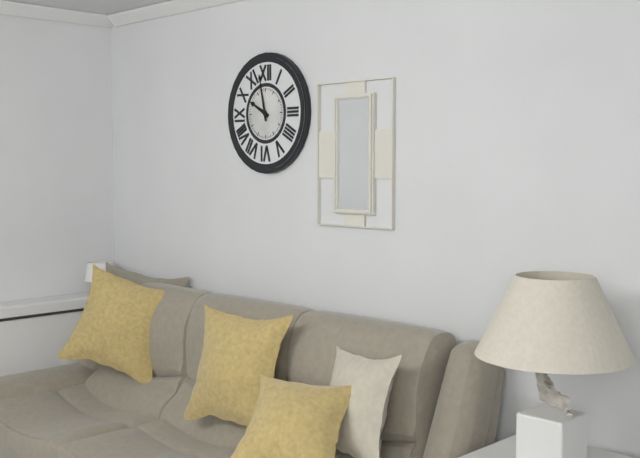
9:58
